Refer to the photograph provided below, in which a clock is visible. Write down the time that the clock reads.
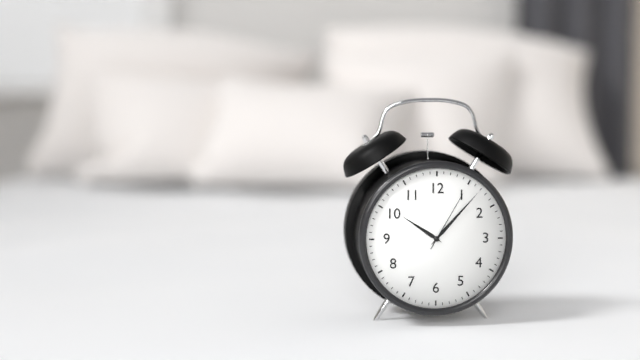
10:07:05
